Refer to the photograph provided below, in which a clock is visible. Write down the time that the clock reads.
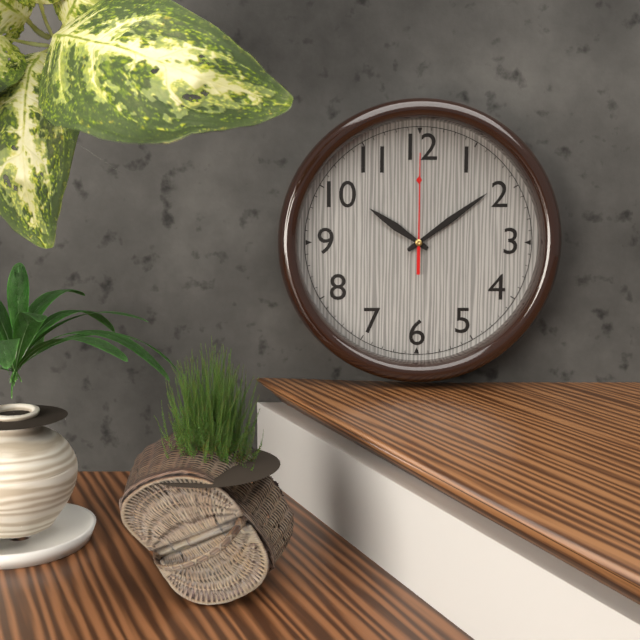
10:09:00
